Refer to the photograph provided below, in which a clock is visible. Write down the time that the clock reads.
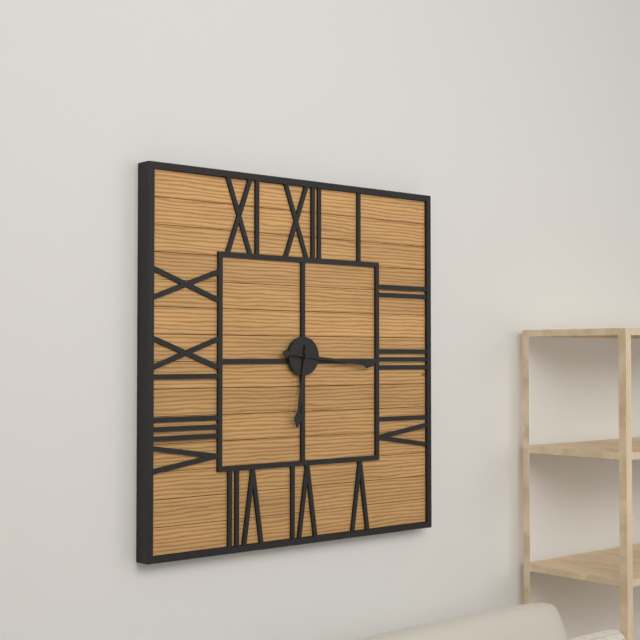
6:16
